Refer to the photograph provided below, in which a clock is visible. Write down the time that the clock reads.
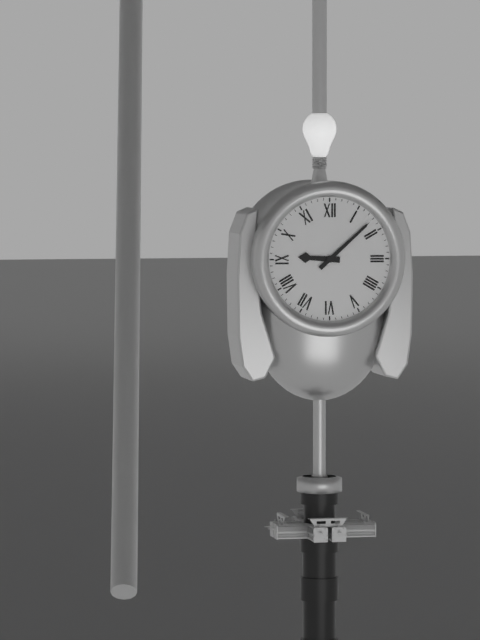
9:08
